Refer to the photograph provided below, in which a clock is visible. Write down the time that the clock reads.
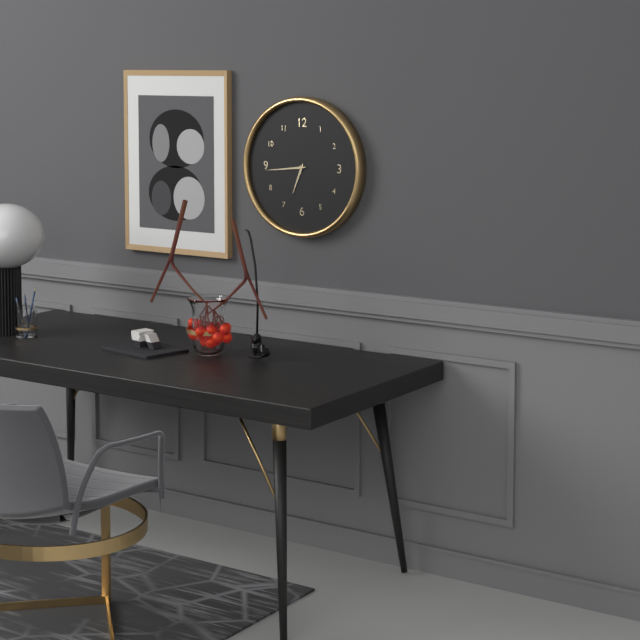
6:44
